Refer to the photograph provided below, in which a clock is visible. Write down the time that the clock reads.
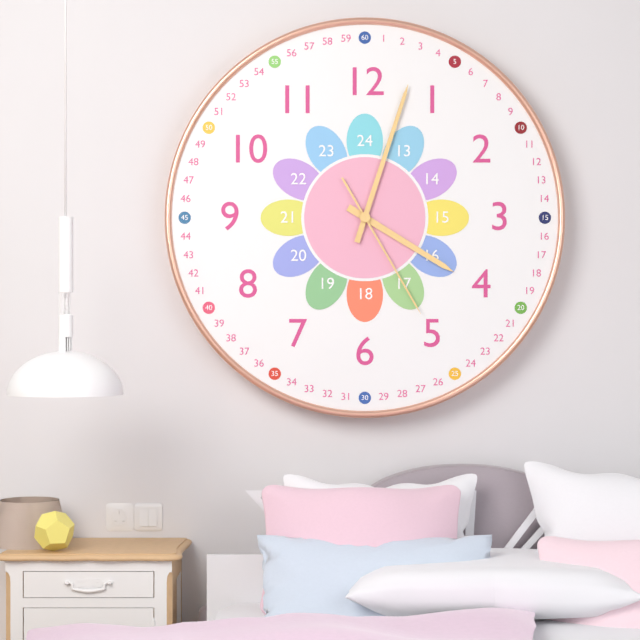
4:03:25
